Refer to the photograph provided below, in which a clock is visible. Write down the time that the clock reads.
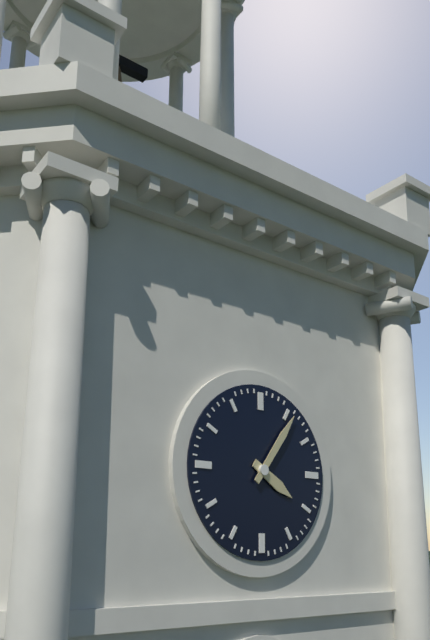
4:06
